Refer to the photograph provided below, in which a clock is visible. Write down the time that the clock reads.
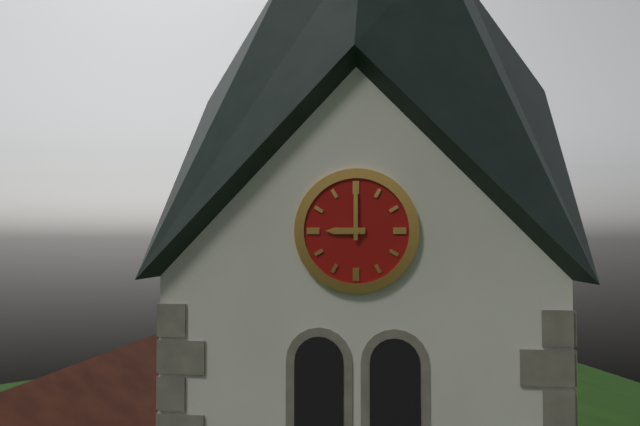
9:00
